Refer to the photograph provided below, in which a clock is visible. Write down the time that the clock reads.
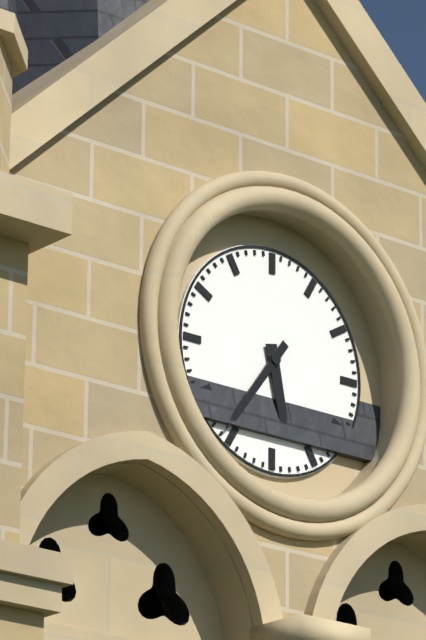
5:36
